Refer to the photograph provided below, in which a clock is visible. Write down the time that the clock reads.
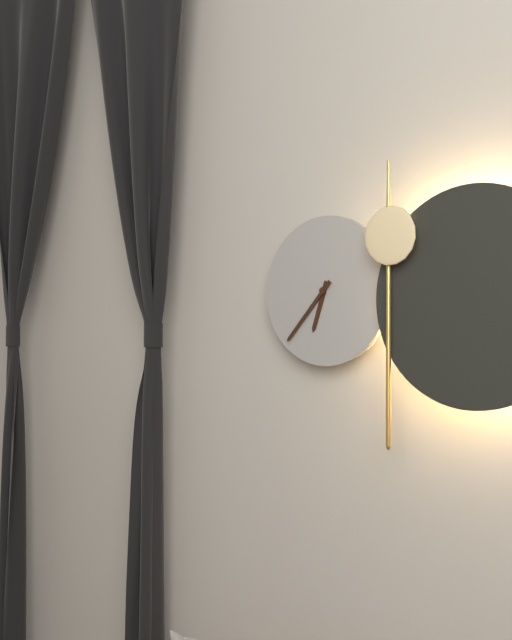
6:37
